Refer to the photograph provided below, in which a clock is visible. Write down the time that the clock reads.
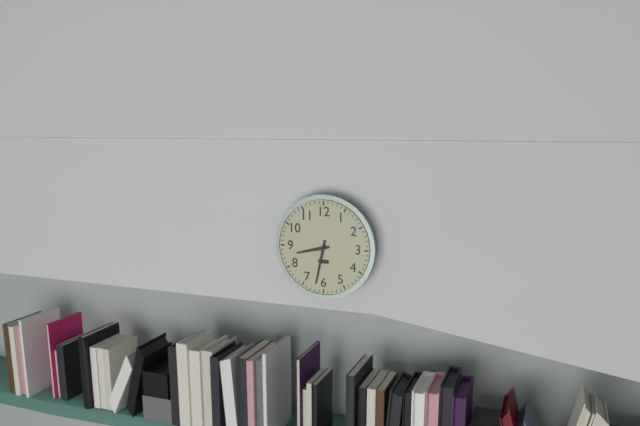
8:32
